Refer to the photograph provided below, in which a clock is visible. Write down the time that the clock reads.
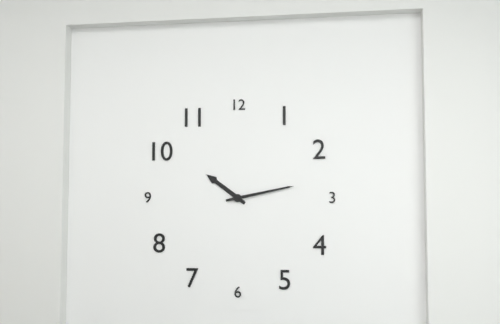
10:13
